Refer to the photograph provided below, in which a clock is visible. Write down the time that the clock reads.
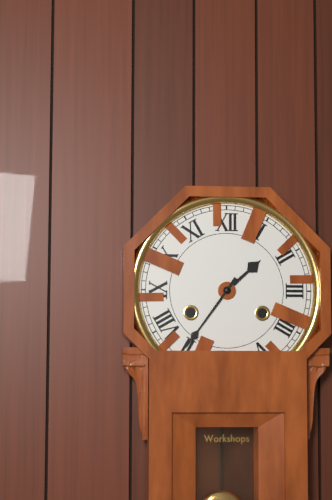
1:36
